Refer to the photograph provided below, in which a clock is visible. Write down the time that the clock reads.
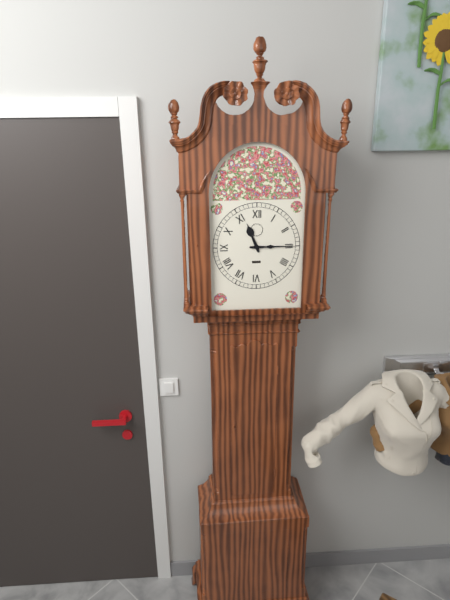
11:15
